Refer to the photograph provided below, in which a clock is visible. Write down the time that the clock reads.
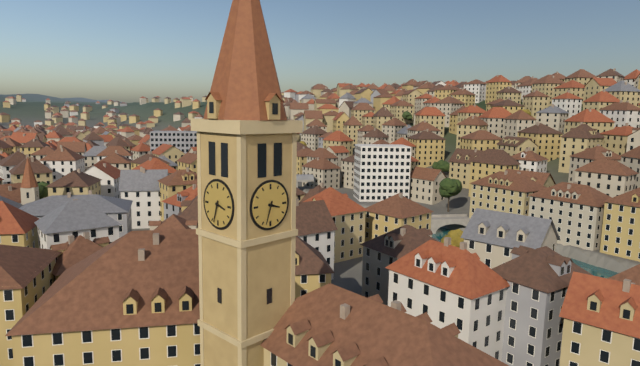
3:33
